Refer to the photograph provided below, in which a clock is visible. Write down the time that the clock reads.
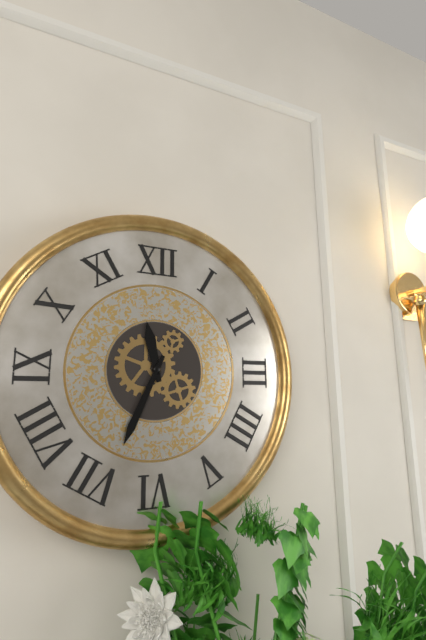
11:34
